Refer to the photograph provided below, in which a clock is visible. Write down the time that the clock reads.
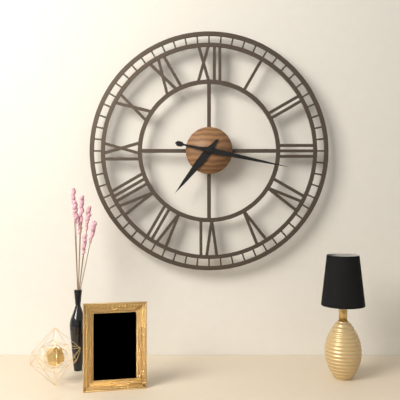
7:17
